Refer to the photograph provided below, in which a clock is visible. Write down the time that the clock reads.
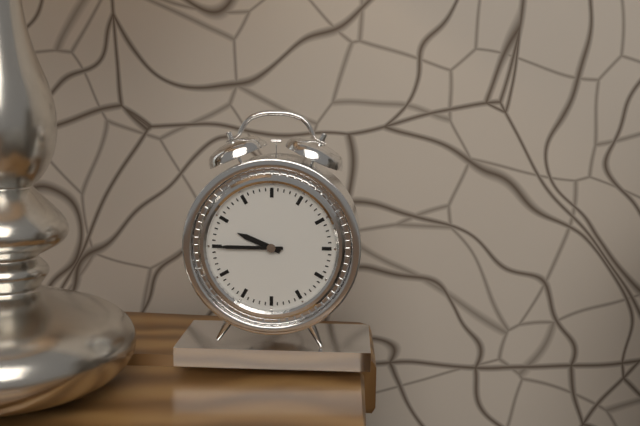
9:45
